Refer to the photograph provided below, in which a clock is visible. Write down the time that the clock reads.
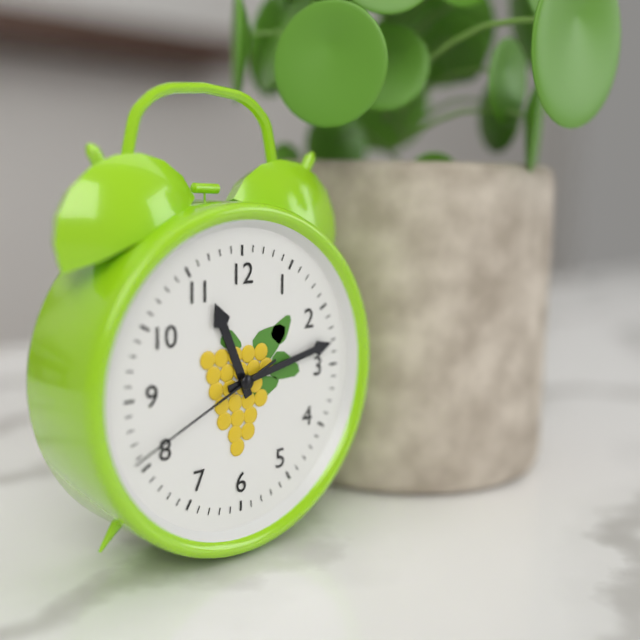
11:13:41
